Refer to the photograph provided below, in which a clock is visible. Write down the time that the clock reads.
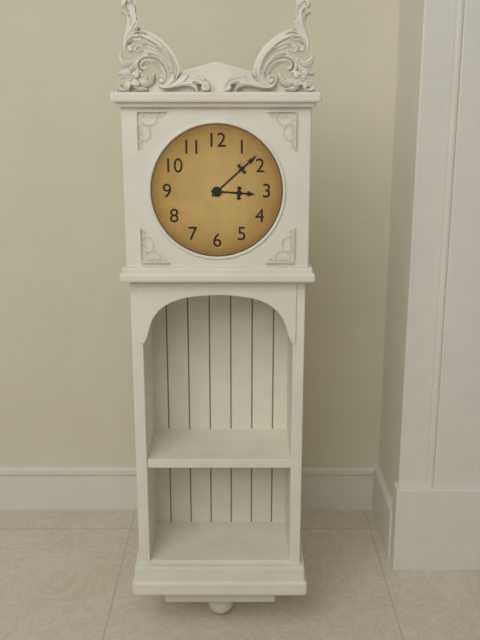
3:08
